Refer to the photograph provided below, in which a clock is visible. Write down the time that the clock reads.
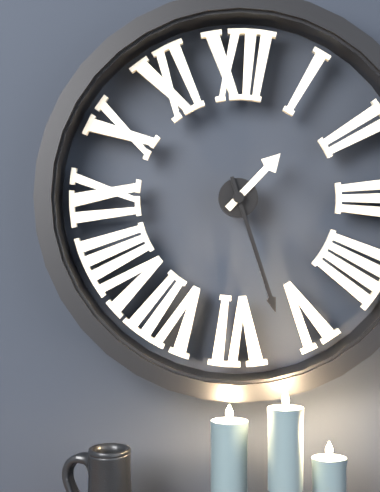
1:27
